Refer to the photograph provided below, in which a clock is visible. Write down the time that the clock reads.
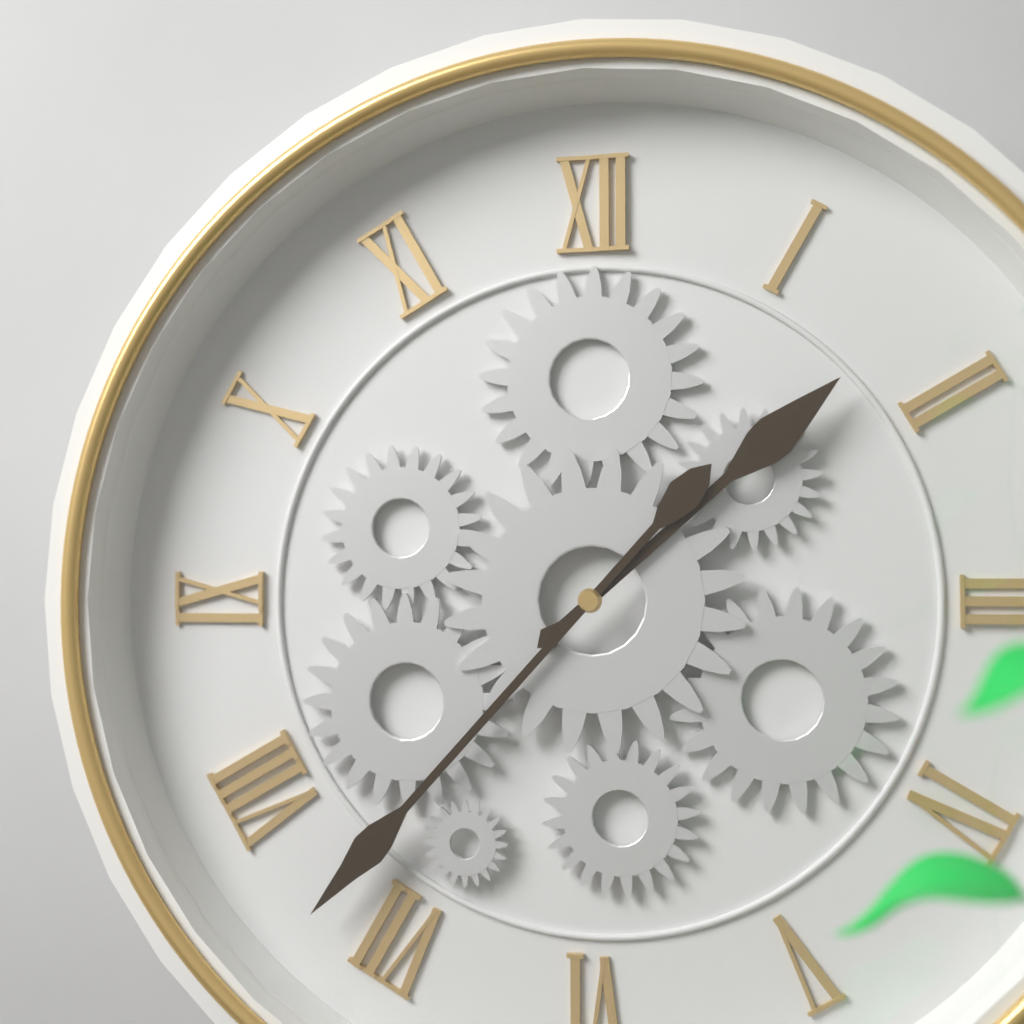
1:37
